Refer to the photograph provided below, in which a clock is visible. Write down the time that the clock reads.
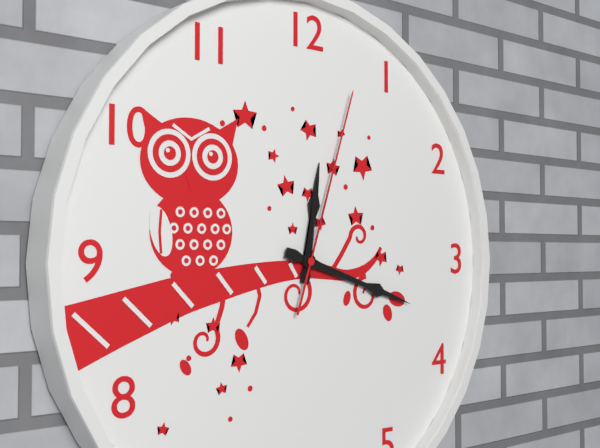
12:18:03
